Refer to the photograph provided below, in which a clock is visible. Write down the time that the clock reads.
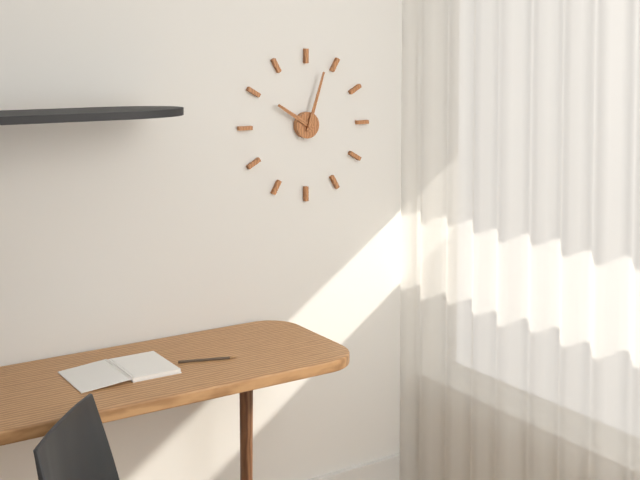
10:03
